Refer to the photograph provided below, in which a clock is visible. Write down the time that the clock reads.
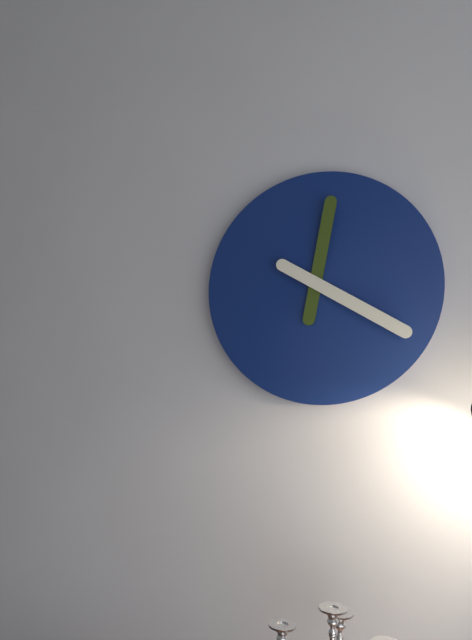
12:20
